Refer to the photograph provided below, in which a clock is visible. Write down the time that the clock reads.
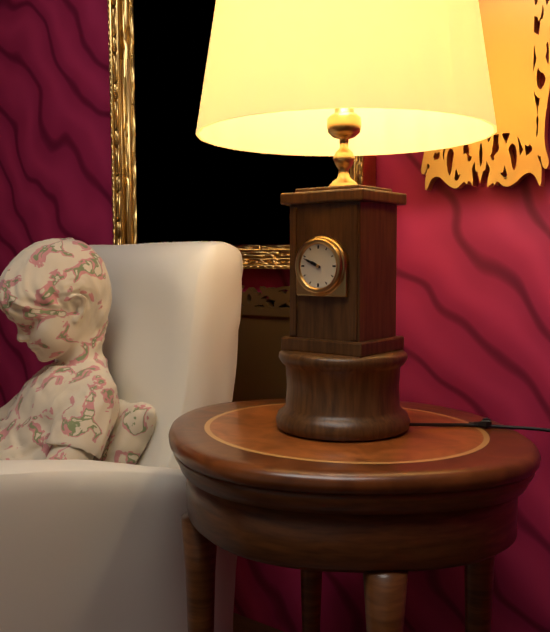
9:49
